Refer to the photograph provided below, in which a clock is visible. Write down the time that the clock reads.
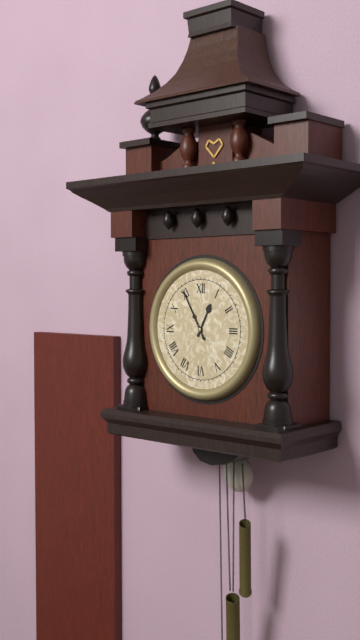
12:55
